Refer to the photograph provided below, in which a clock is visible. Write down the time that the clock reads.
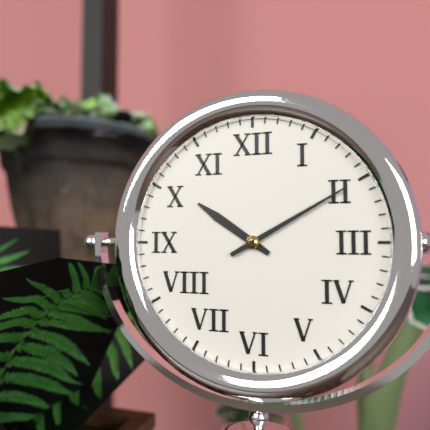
10:10
